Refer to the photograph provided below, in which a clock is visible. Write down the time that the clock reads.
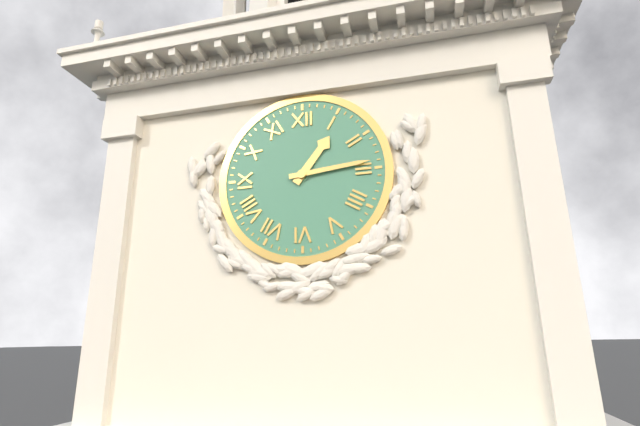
1:14
